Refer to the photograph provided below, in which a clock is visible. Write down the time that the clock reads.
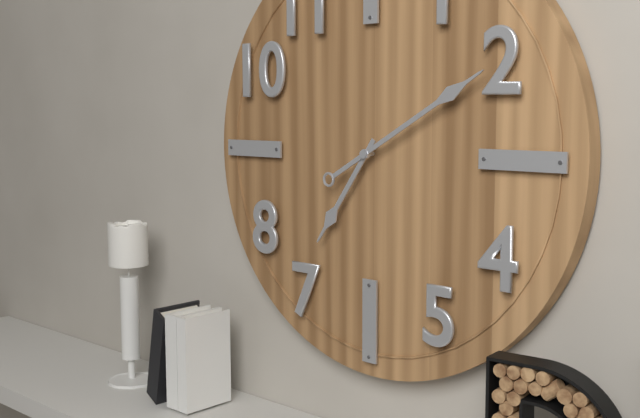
7:10
